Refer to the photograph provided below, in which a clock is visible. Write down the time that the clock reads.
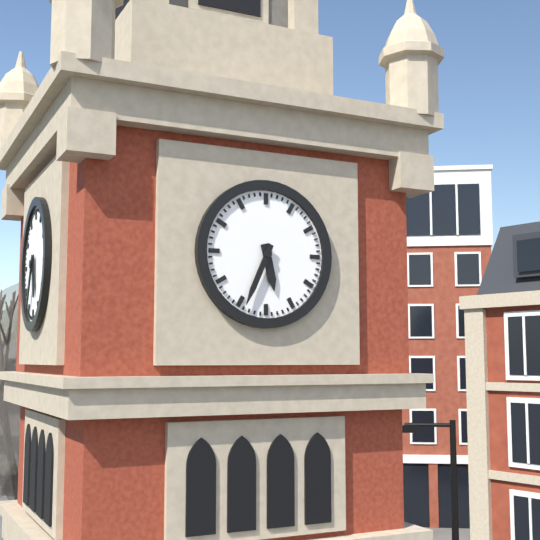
5:34
